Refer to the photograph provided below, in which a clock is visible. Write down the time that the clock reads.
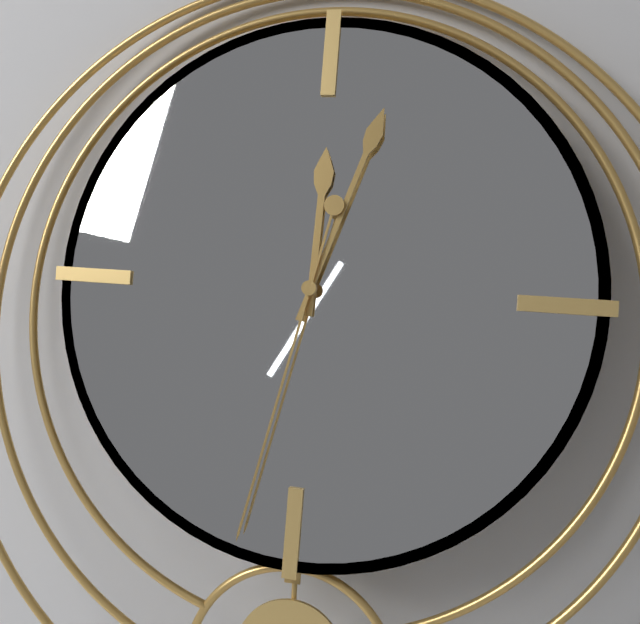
12:03:32
